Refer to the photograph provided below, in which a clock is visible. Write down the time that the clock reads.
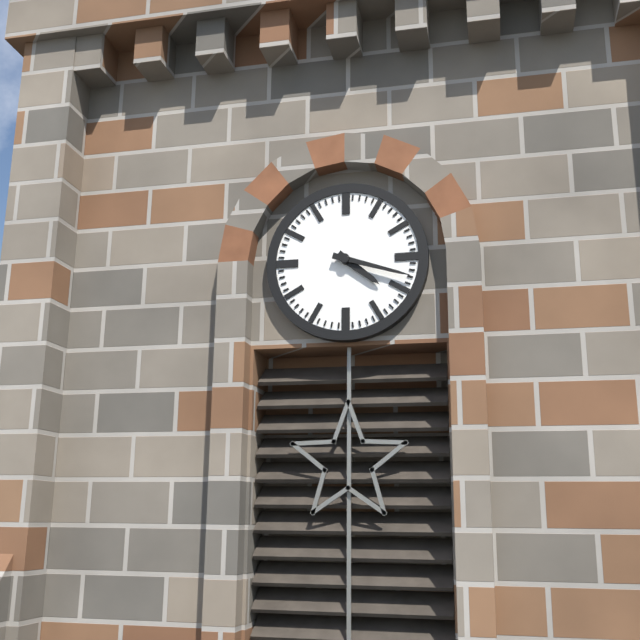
4:18
